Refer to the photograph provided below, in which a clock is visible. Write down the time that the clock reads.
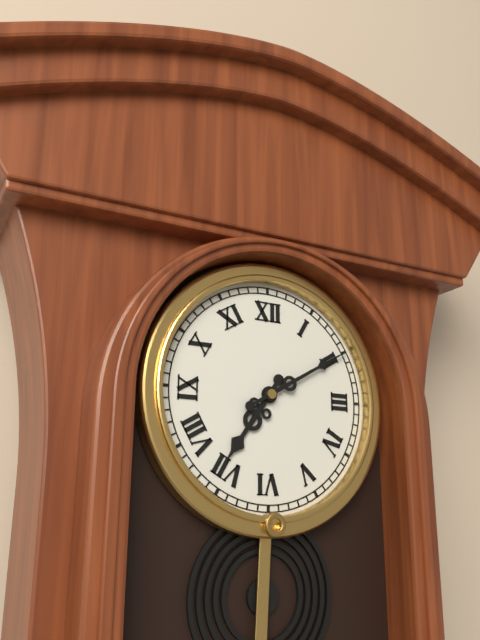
7:10
